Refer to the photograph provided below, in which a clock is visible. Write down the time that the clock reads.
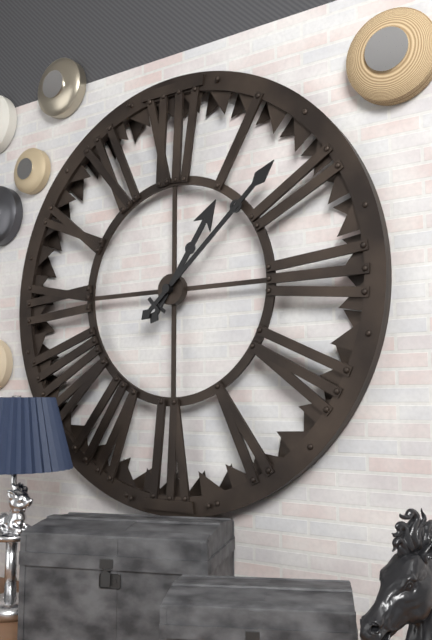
1:08
